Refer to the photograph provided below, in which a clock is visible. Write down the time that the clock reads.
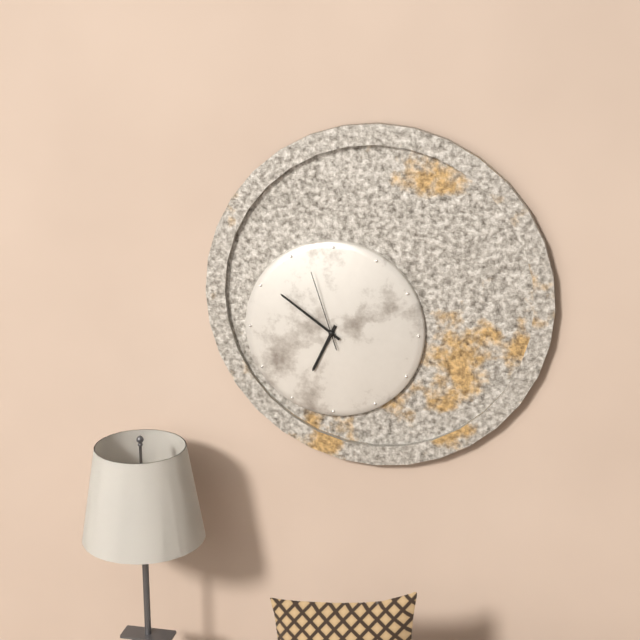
6:51:57
